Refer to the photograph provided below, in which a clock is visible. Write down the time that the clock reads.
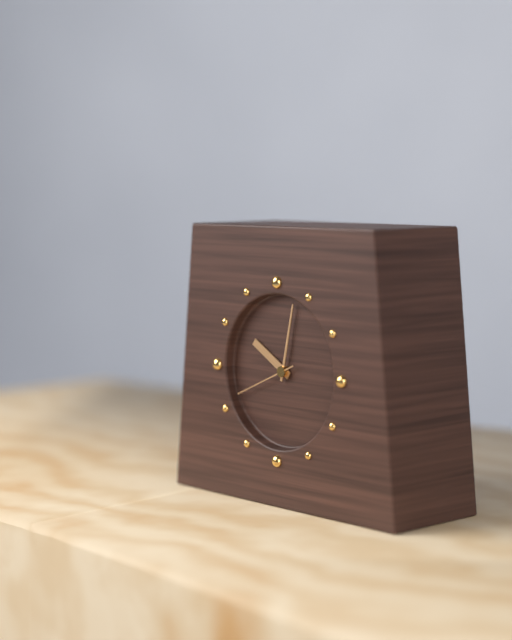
10:02:41
